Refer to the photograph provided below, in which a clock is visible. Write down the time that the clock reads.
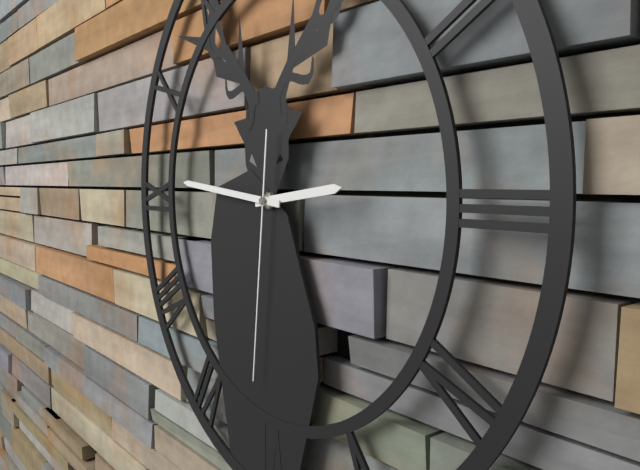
2:46:31
